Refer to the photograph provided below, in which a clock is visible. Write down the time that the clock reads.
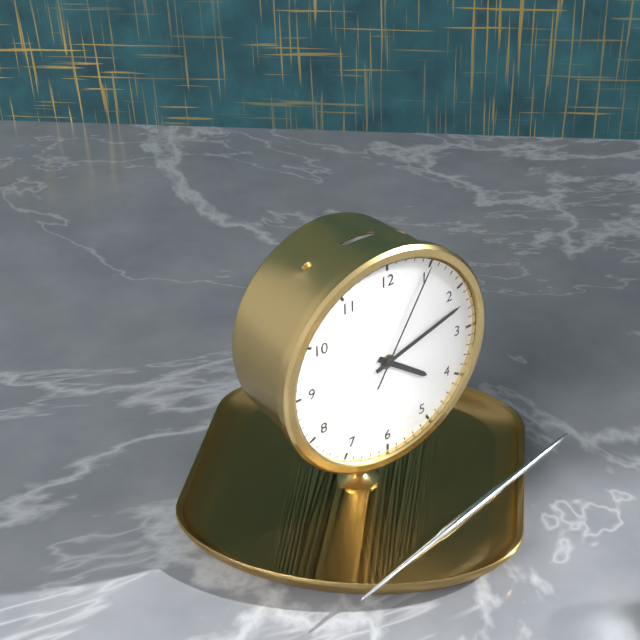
4:12:05
